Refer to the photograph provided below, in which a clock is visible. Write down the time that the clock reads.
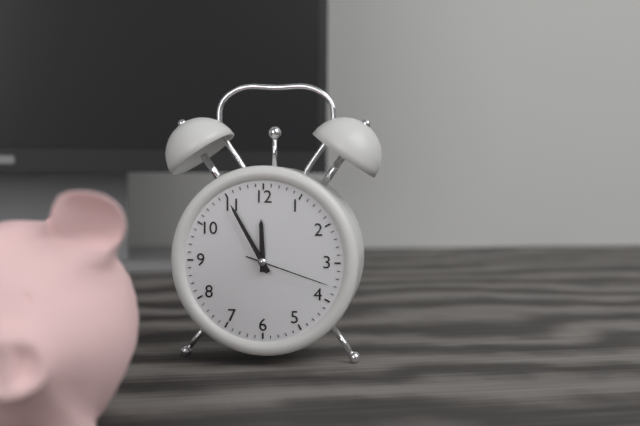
11:55:18
